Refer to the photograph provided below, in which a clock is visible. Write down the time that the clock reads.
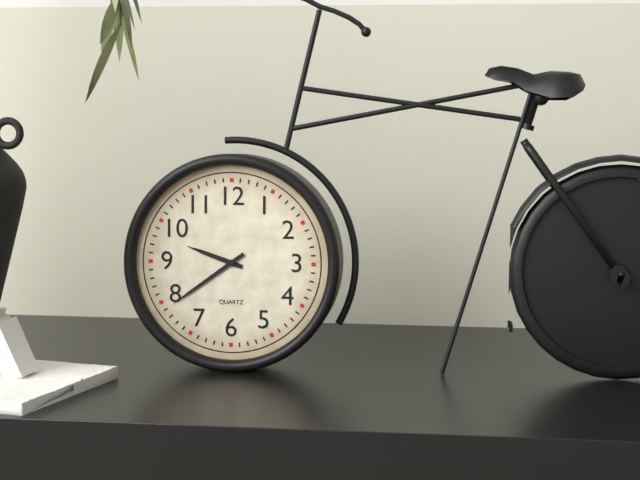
9:39
